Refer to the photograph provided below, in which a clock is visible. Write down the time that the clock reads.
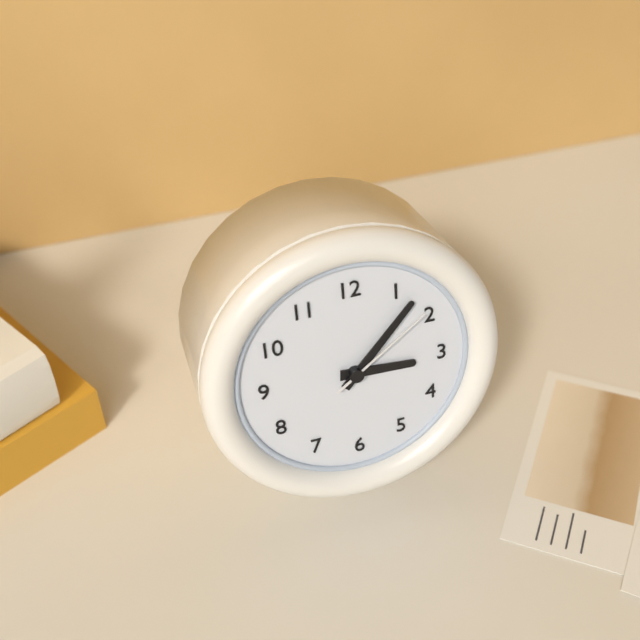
3:07:09
